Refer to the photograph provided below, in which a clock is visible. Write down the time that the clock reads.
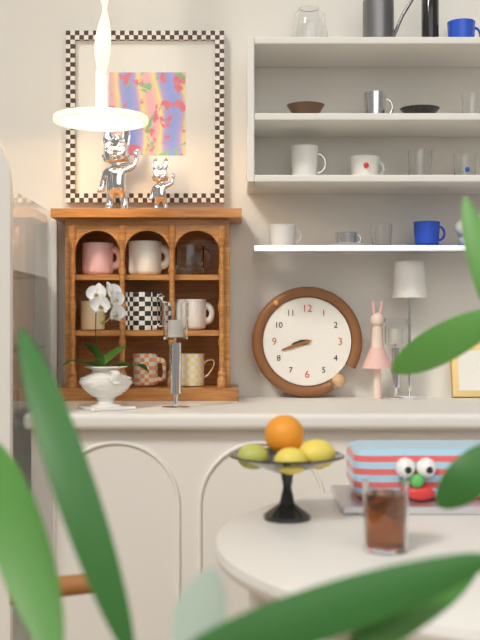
8:42
